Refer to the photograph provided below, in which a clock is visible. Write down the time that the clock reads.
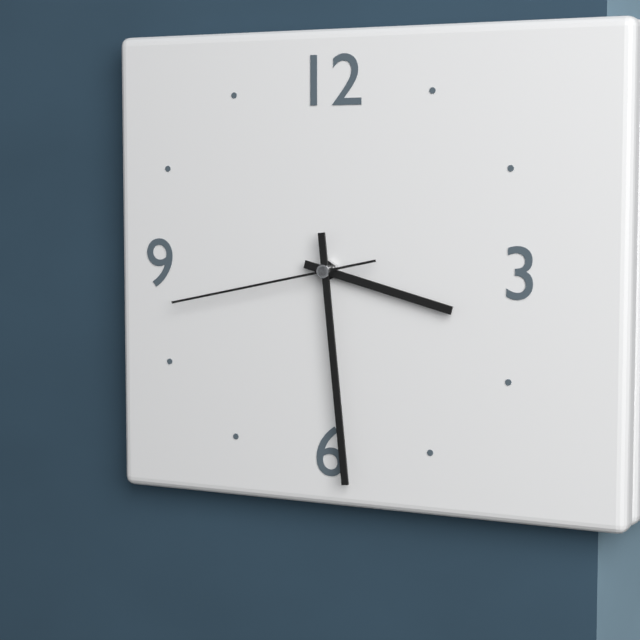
3:29:43
